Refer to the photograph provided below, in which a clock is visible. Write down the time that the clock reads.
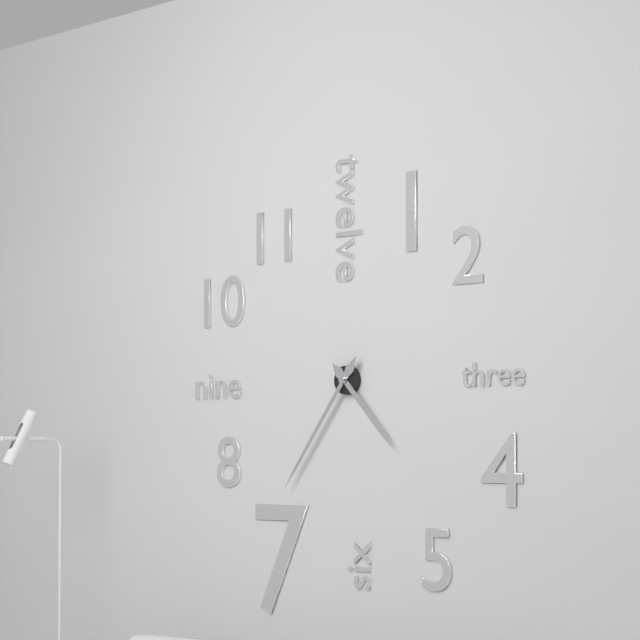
4:36
